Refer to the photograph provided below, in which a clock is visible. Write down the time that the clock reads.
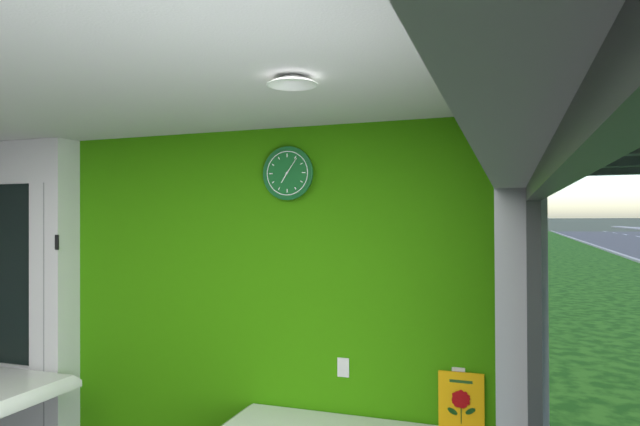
7:06
